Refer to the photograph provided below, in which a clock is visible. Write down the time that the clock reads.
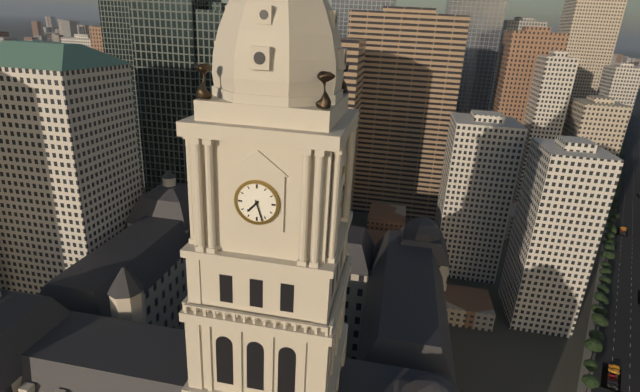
7:27
